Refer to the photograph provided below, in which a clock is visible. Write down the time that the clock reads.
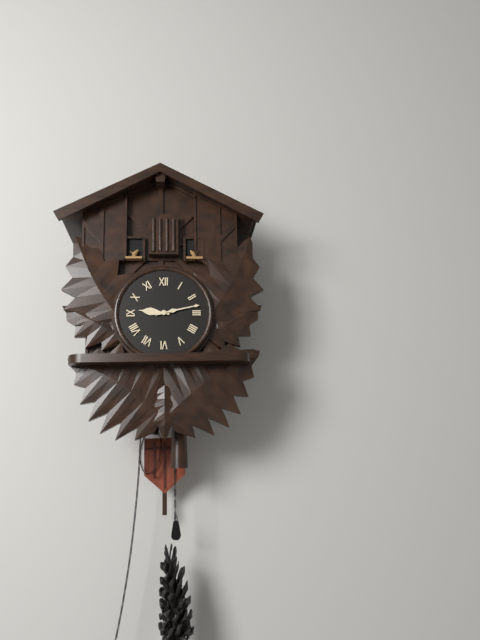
9:13
